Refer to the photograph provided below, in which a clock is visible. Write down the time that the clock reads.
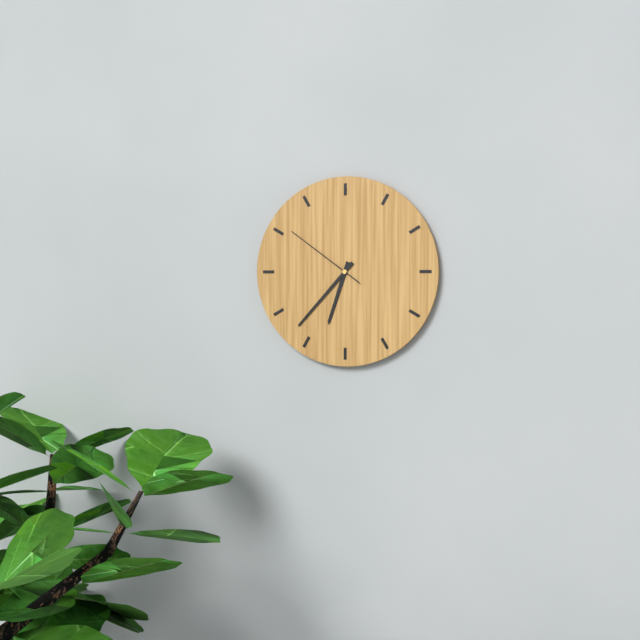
6:37:51
